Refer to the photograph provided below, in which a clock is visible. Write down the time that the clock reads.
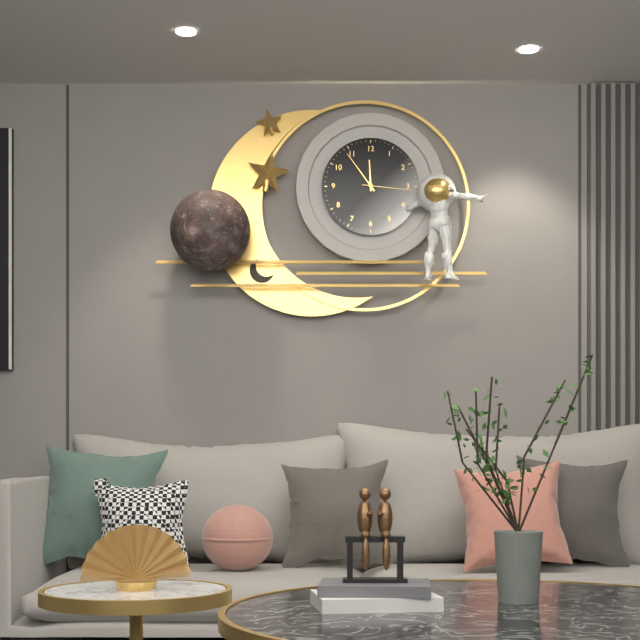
11:54:16
